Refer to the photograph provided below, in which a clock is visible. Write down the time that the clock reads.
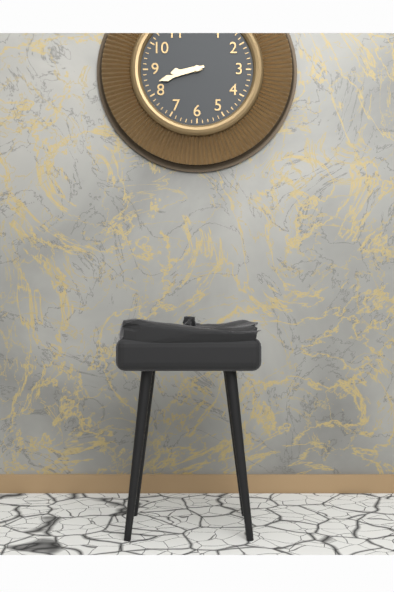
8:42
